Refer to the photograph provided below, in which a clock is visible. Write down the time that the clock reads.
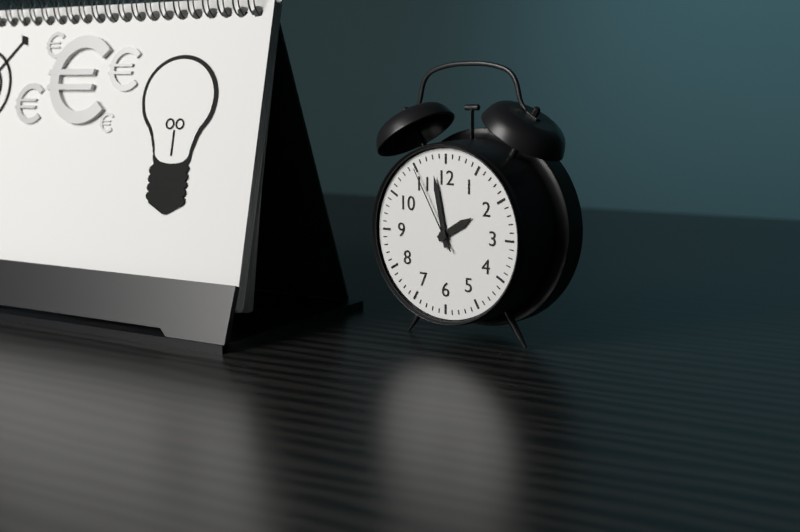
1:58:55
